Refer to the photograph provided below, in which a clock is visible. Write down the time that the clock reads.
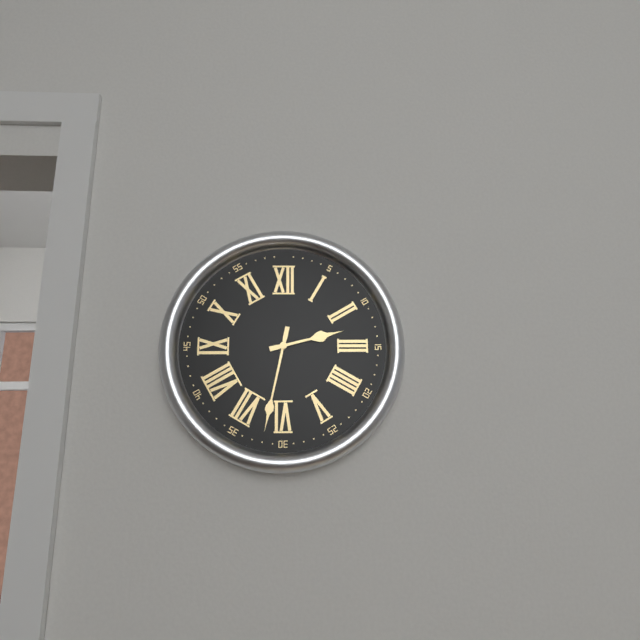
2:32
